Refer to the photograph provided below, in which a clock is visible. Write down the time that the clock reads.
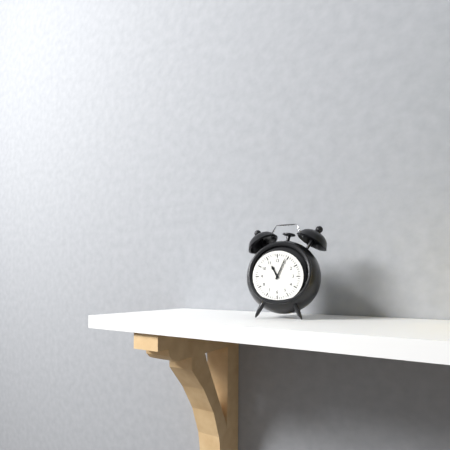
11:04
